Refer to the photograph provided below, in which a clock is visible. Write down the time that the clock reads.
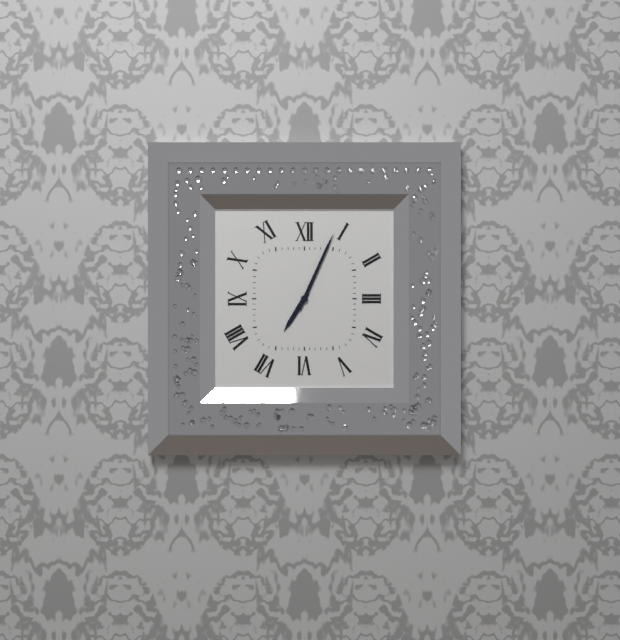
7:04
